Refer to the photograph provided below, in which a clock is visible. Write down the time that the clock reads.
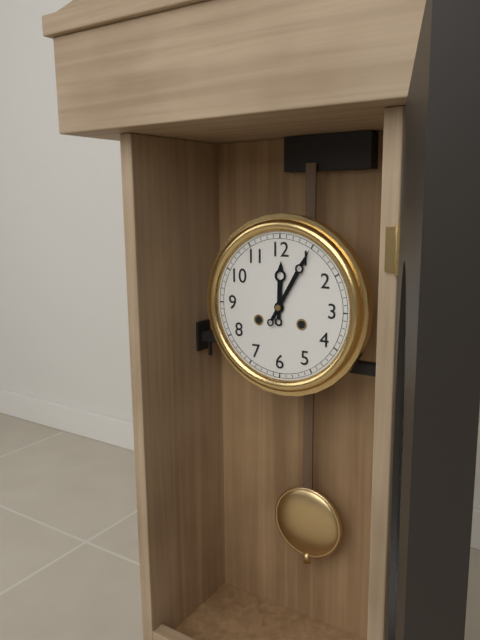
12:05
